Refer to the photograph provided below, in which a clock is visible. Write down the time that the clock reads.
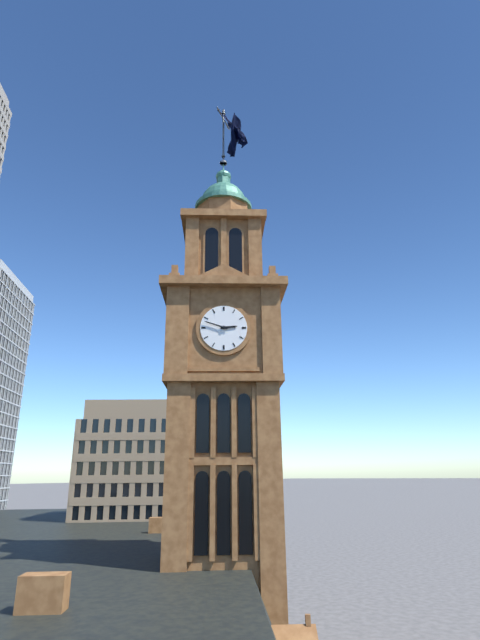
2:48
